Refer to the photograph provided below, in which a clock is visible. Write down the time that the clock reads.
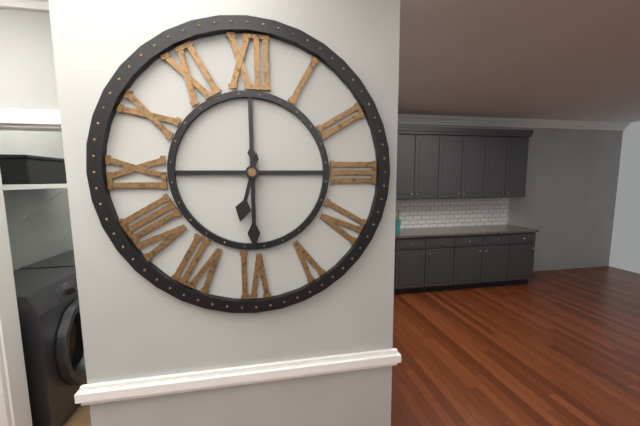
6:30
